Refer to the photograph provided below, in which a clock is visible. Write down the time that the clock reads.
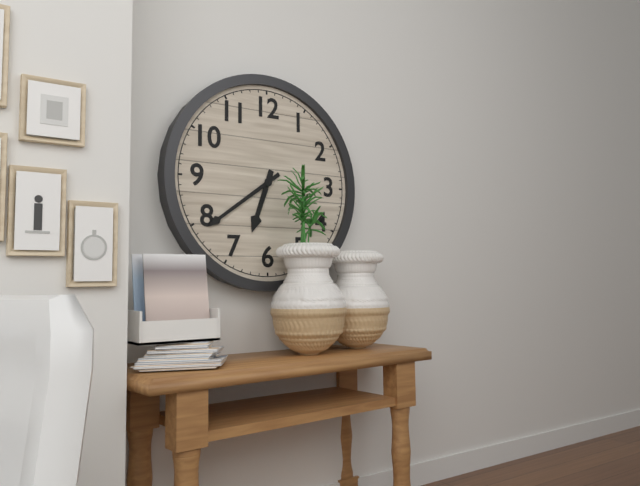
6:39
